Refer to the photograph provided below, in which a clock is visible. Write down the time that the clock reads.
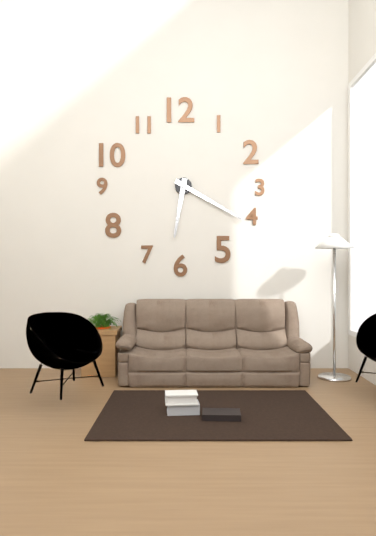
6:20
